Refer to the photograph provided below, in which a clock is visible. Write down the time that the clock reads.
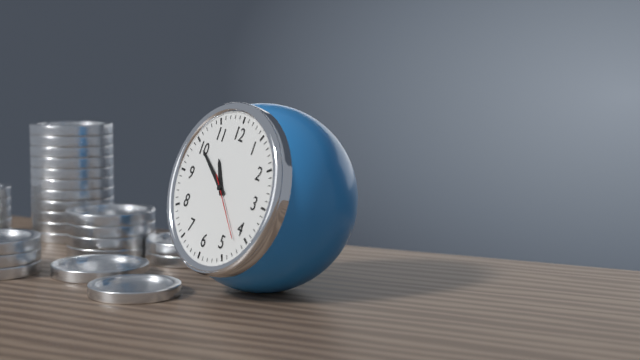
10:50:22
